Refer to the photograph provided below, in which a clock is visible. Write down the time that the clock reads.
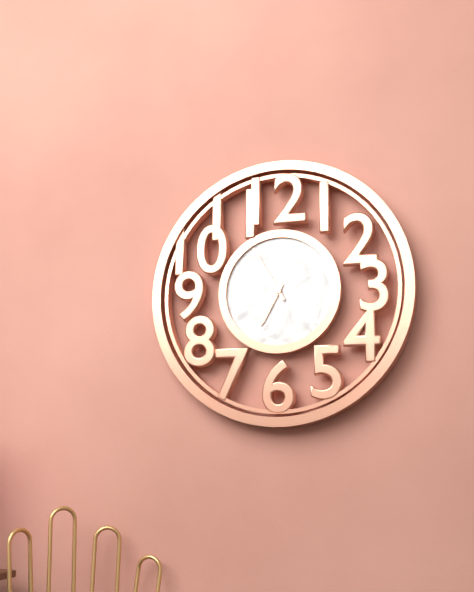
6:55
